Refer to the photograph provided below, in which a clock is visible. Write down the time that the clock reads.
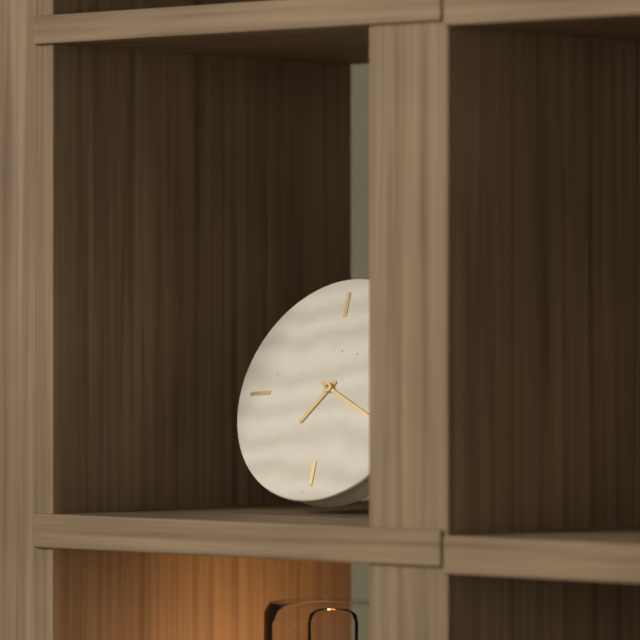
7:20
